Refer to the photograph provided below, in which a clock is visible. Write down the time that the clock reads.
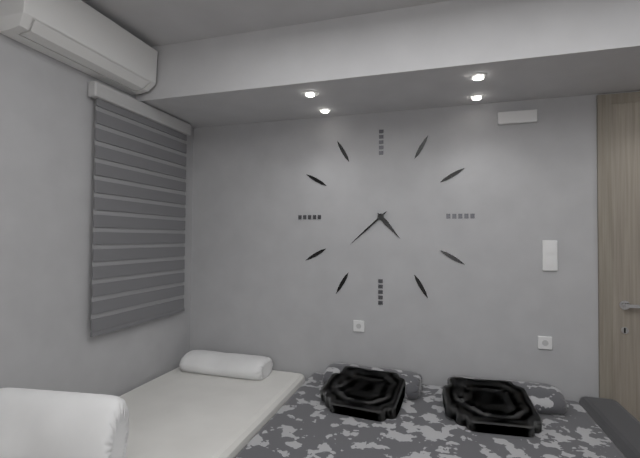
4:38
